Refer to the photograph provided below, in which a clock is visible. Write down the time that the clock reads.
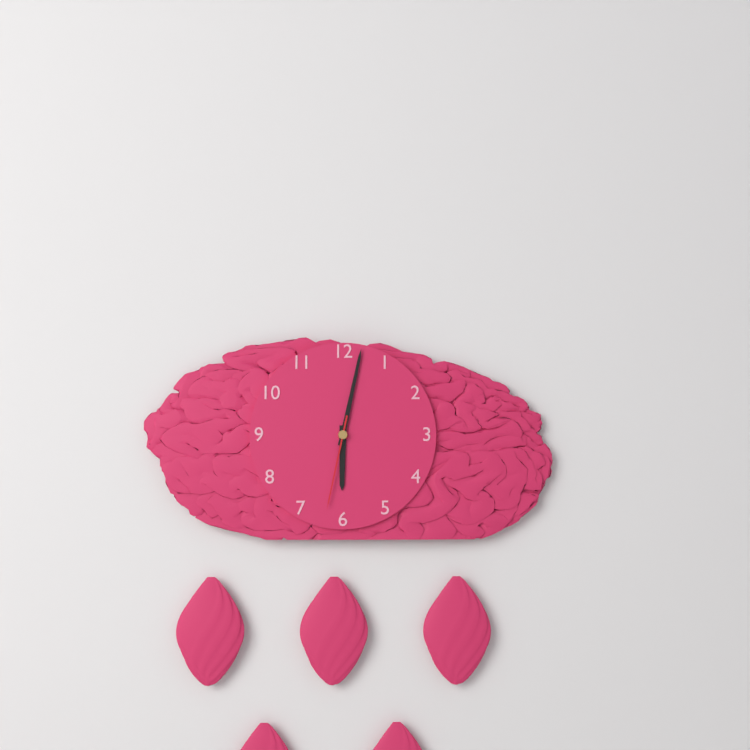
6:02:32
